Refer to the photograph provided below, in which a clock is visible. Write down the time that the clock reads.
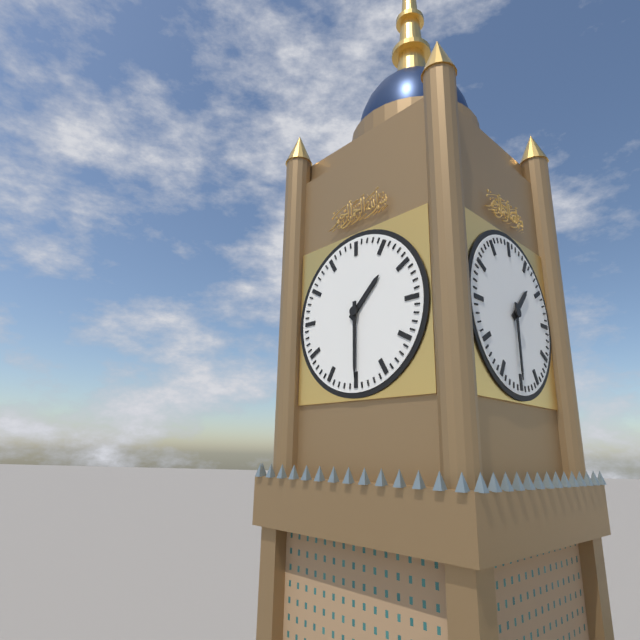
1:30
